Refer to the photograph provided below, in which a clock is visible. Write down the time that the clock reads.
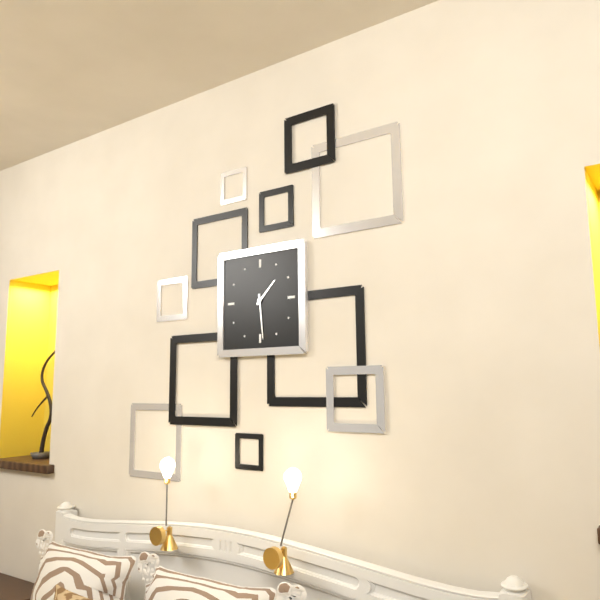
1:29
